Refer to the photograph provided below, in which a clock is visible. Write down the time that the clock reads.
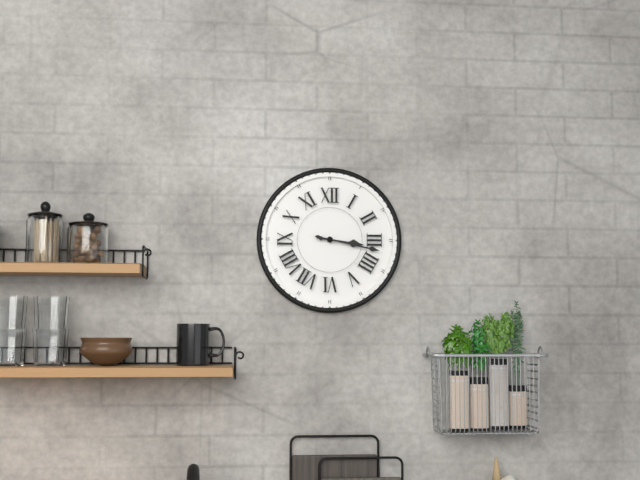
3:17
